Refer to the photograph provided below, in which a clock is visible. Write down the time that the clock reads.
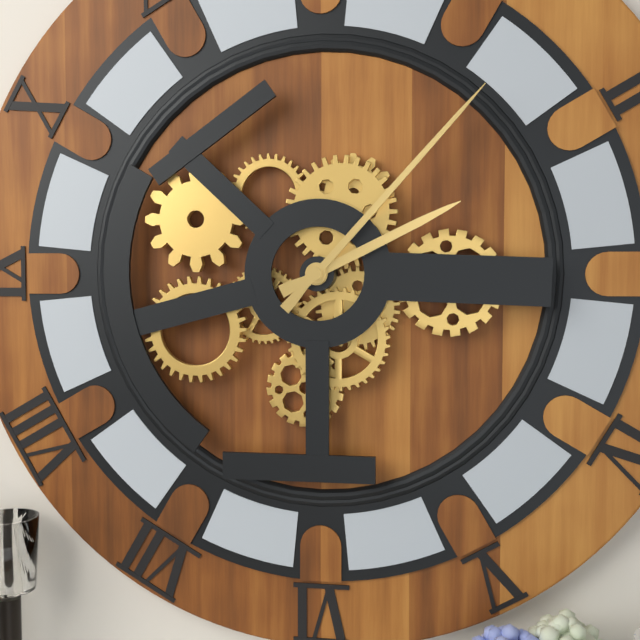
2:07
